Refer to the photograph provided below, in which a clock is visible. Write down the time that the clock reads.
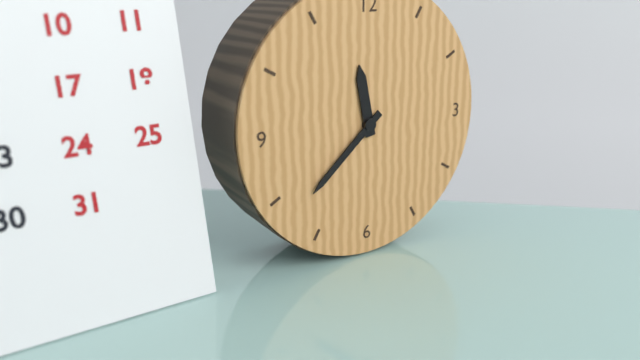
11:38
